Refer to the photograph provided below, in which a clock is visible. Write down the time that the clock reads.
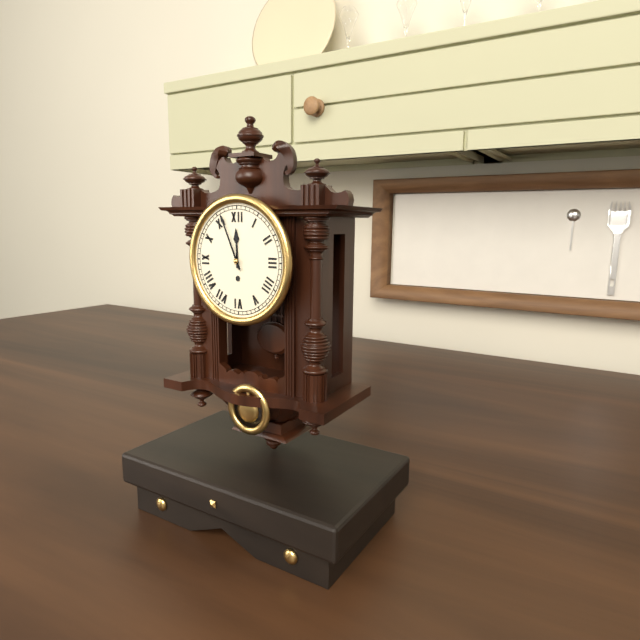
11:56
